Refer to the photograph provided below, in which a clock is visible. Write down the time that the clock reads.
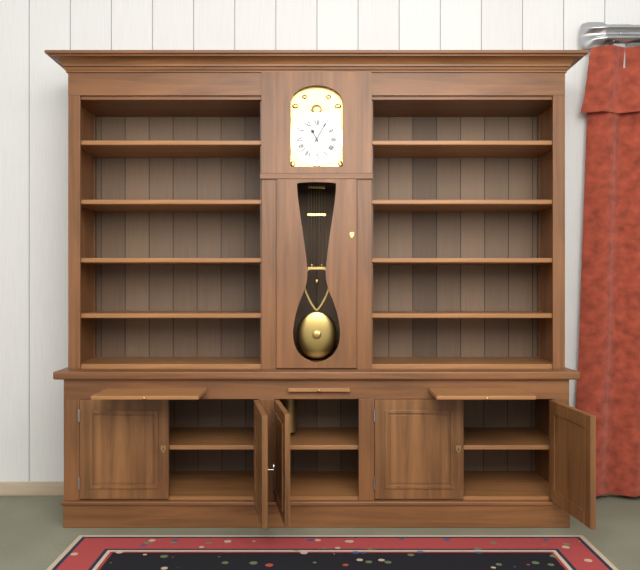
11:05
